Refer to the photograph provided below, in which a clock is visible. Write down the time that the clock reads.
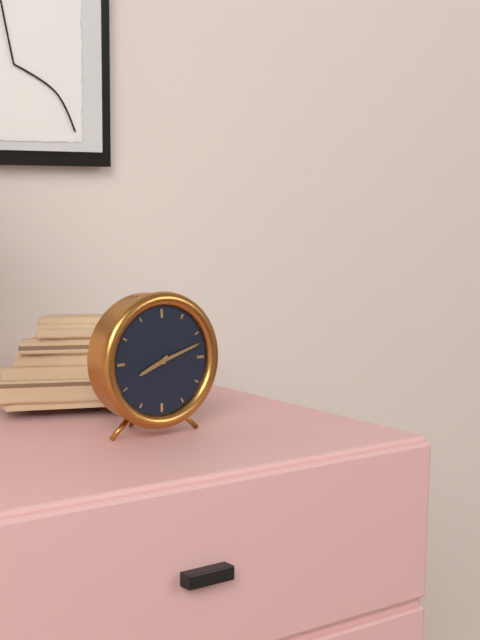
8:12
